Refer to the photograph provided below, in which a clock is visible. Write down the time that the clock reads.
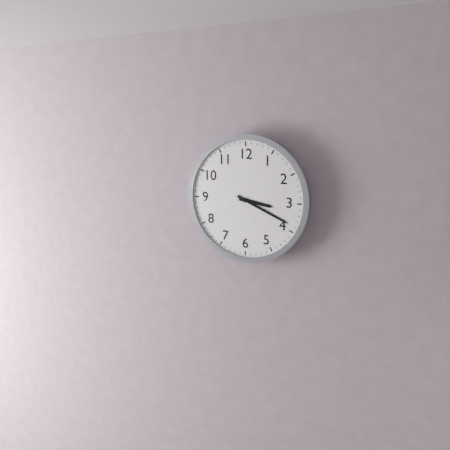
3:19
